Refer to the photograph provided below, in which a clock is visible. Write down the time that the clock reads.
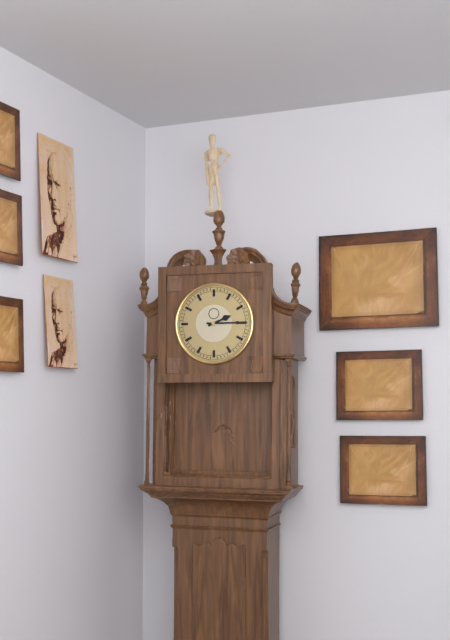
2:15
